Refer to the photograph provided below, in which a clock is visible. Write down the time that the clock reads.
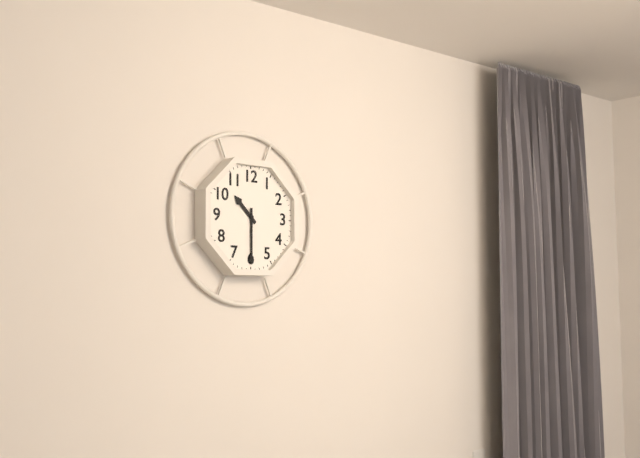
10:30
